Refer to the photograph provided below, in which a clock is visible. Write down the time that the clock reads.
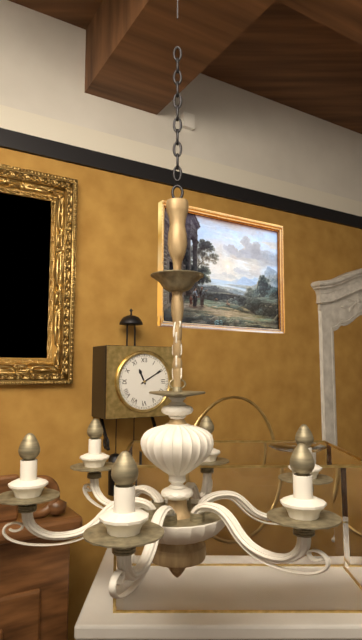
11:10
